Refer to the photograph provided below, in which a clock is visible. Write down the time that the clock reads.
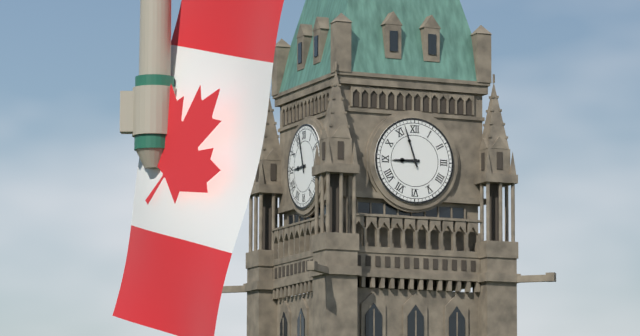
8:57
